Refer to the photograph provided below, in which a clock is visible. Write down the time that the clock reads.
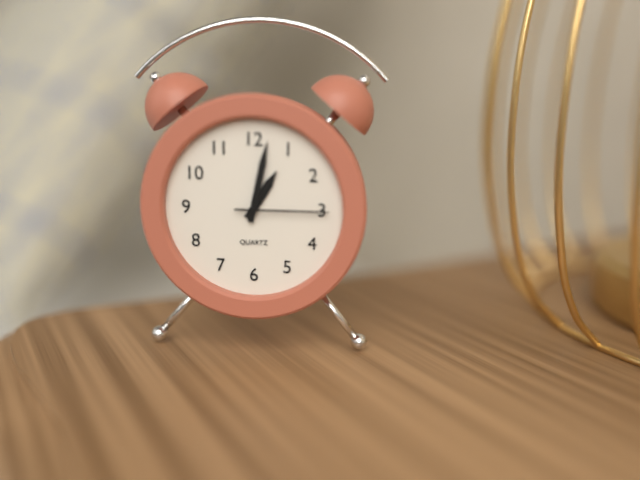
1:02:15
